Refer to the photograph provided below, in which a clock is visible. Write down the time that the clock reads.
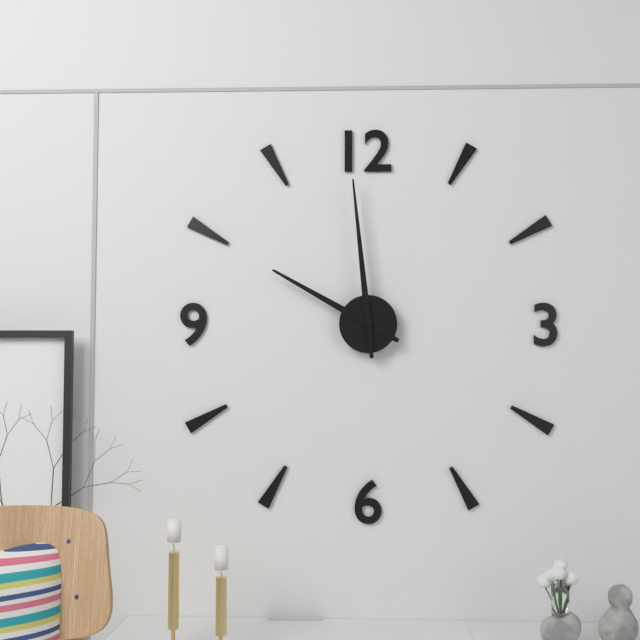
9:59
